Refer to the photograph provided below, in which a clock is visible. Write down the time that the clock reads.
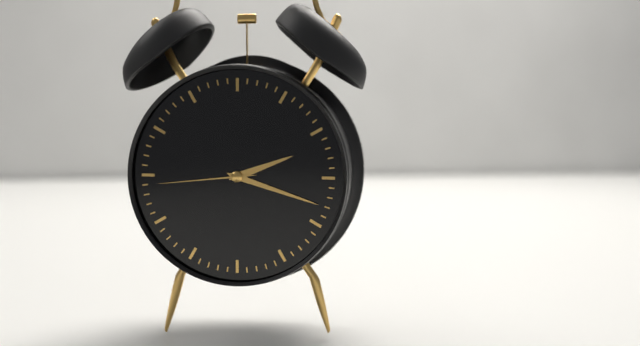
2:18:44
